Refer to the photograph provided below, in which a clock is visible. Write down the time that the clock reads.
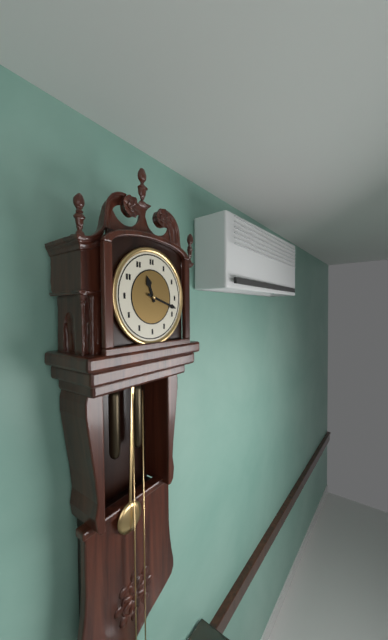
11:18
